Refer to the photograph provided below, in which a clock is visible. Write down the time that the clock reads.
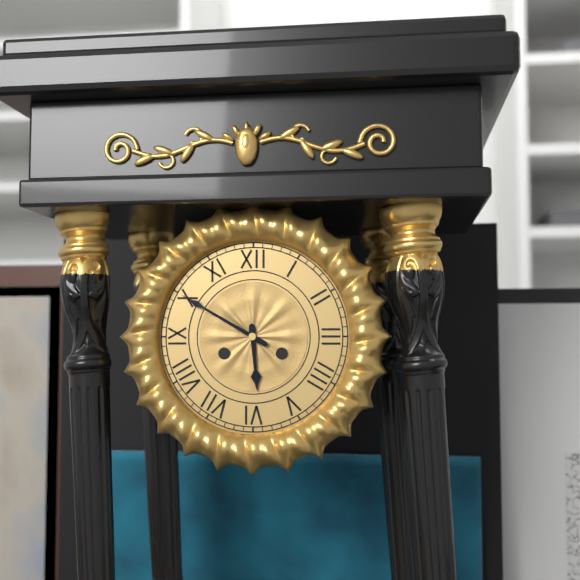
5:50
